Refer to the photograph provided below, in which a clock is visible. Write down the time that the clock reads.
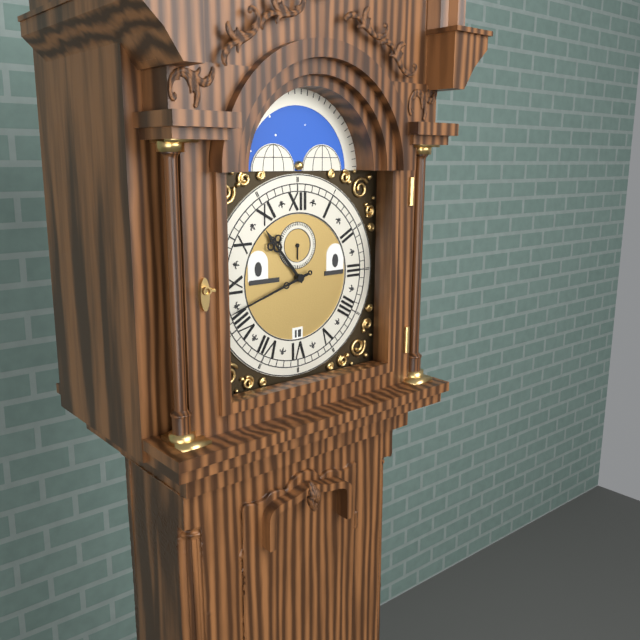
10:42
